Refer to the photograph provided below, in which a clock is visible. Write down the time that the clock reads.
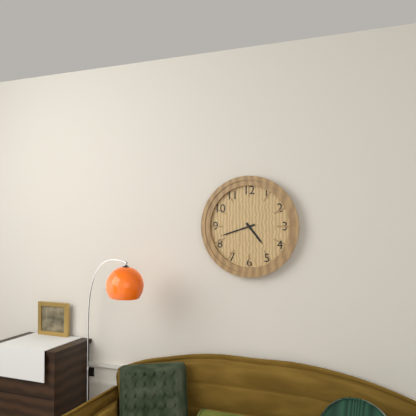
4:42
